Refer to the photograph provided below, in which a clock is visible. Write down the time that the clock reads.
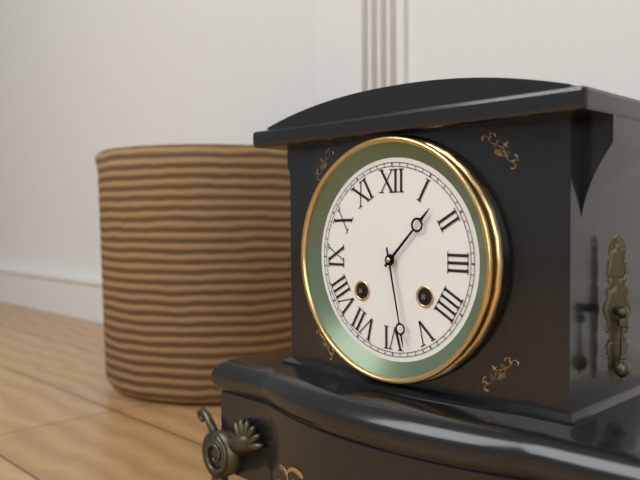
1:28
